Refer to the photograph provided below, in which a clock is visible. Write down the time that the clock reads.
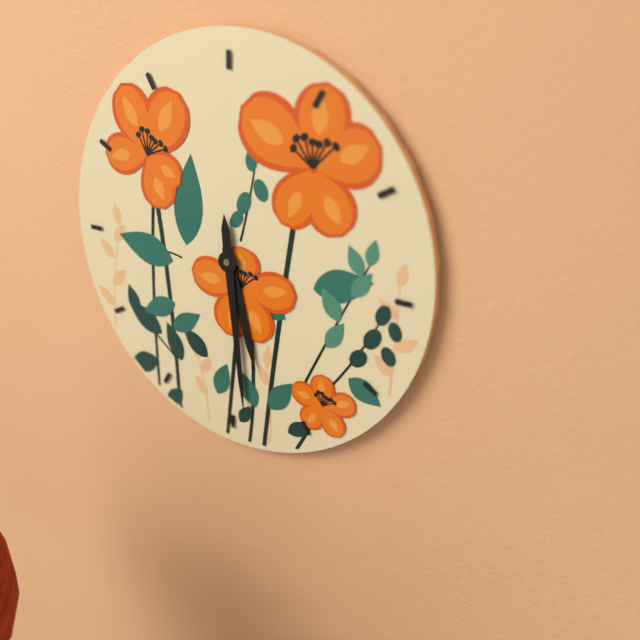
5:29
